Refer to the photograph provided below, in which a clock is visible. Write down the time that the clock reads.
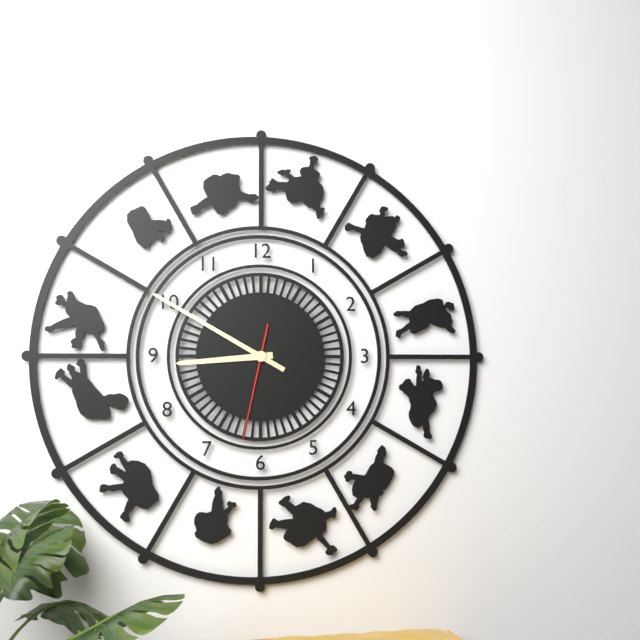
8:50:32
